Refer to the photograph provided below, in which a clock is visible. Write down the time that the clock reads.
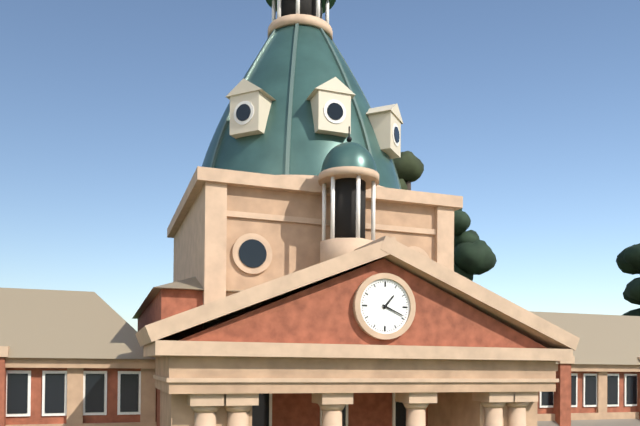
1:19
